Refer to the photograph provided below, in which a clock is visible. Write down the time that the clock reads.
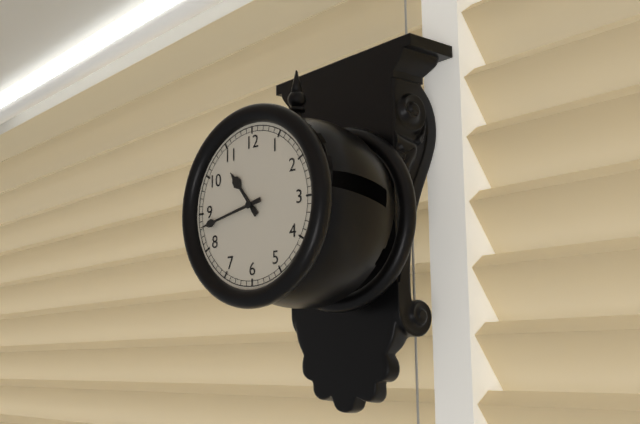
10:43
